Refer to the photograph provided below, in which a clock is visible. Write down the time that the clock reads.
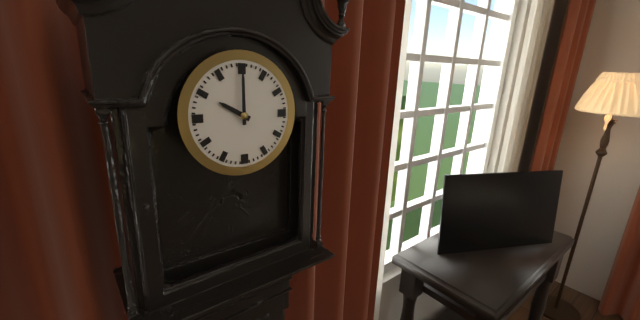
10:00
